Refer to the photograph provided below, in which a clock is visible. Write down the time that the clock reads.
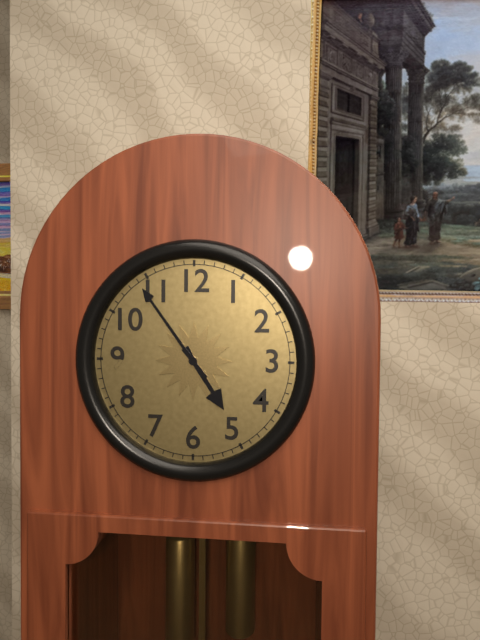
4:54
